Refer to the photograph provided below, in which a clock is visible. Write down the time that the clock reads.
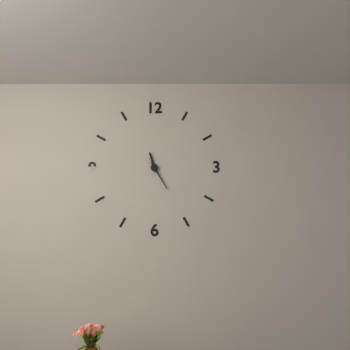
11:25
